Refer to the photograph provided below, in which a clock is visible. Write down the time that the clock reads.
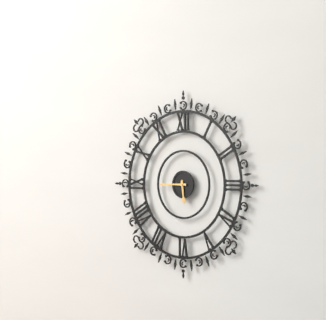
5:45
